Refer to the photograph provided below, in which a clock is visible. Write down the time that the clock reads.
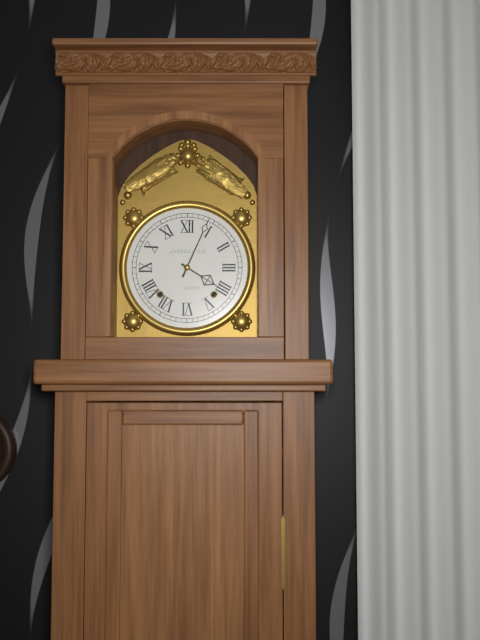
4:04
